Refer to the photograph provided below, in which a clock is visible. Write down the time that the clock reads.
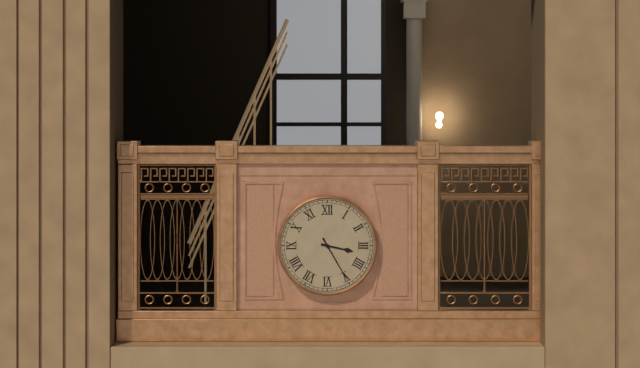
3:25
